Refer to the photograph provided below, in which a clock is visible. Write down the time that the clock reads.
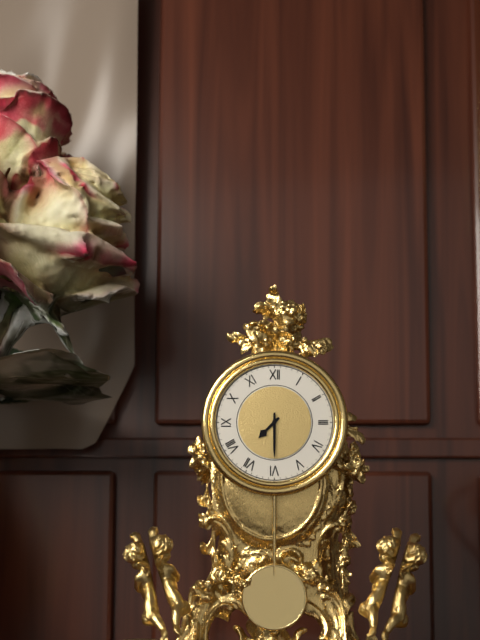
7:30
